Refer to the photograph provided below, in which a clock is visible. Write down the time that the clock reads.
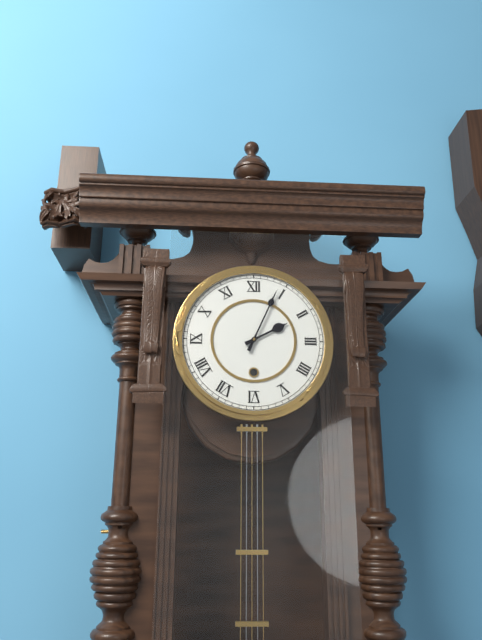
2:04
